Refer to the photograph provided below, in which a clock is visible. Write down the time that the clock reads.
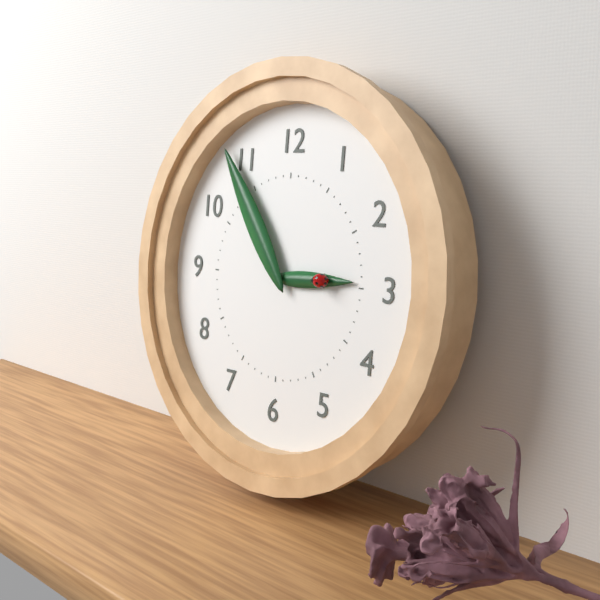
2:54
